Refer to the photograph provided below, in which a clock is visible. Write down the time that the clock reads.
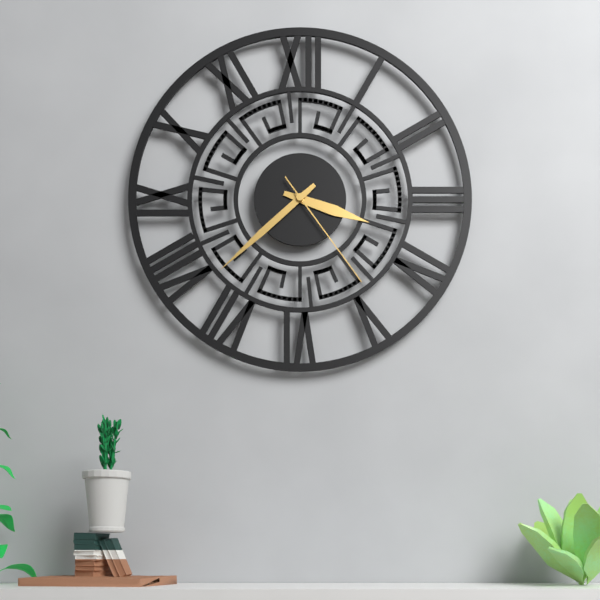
3:38:24
